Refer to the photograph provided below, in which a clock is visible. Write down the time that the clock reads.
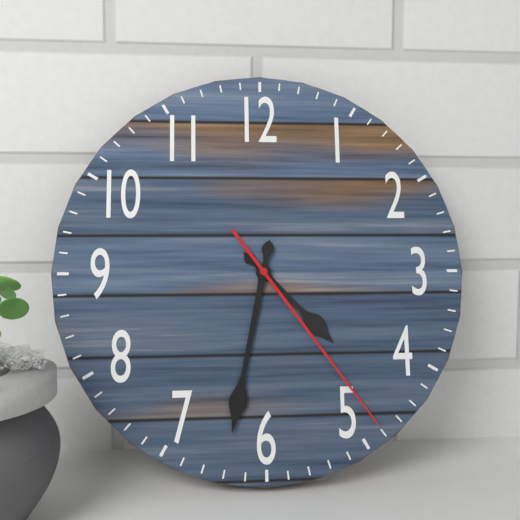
4:32:24
